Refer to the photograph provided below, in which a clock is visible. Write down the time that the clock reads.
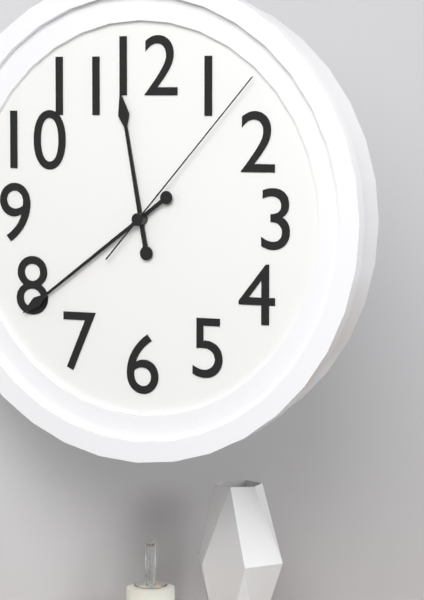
11:39:07
